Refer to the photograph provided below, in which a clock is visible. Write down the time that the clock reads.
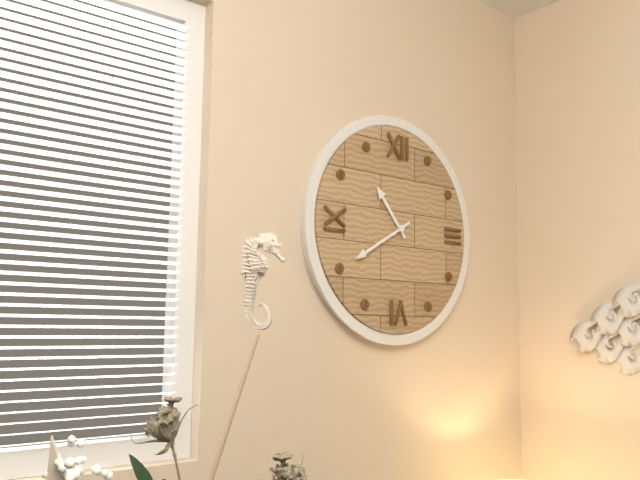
10:40
